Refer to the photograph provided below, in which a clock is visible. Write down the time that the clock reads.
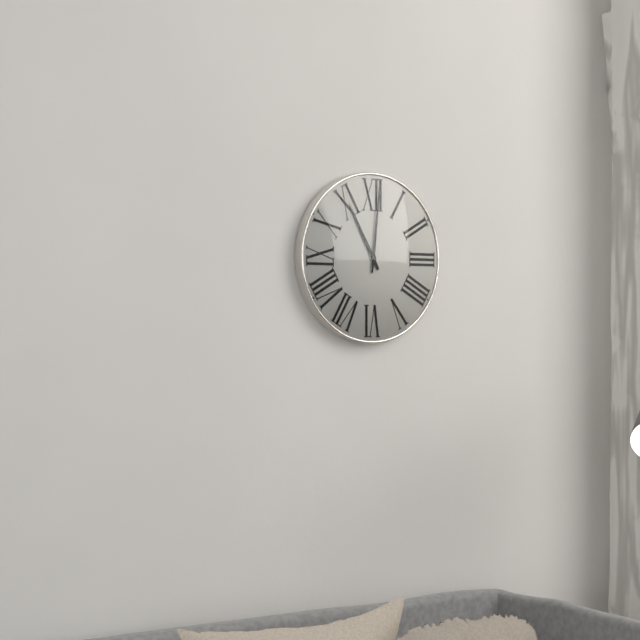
11:01
